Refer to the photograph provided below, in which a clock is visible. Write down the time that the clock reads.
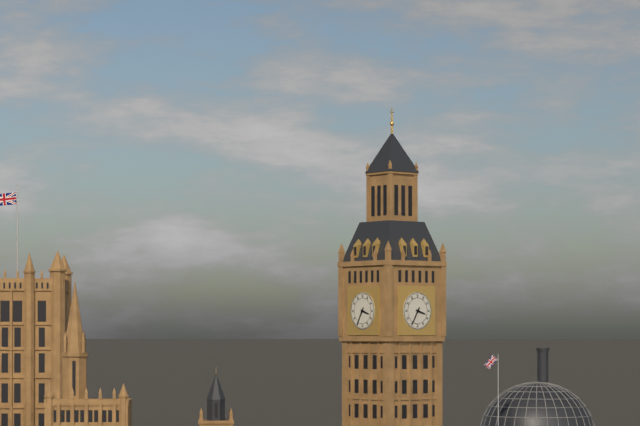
3:35
